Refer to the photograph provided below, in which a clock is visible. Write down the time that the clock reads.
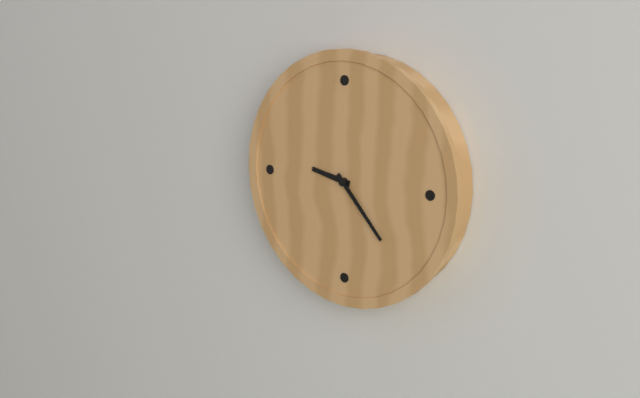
9:23
